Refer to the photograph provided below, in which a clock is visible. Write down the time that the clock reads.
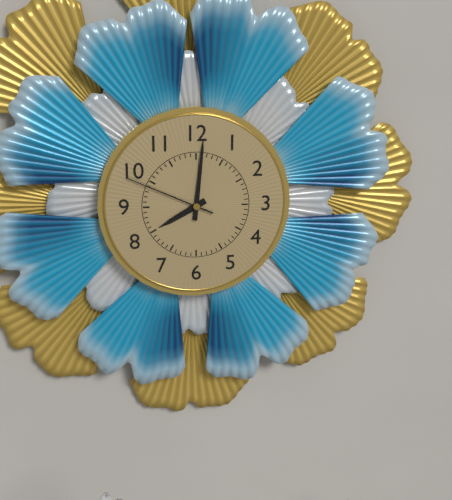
8:01:49
